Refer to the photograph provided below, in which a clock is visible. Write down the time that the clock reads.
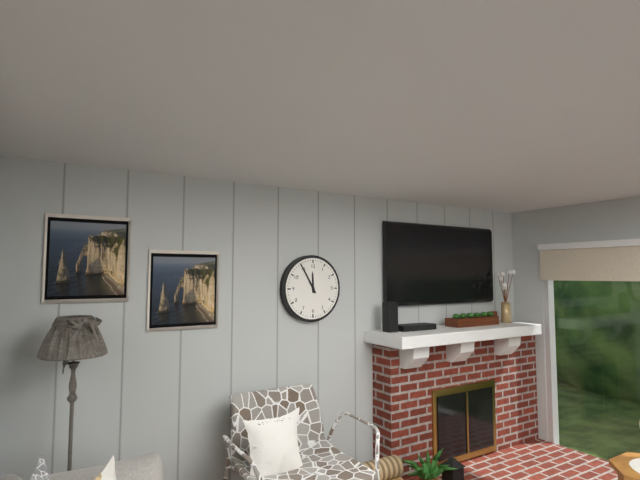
11:55
